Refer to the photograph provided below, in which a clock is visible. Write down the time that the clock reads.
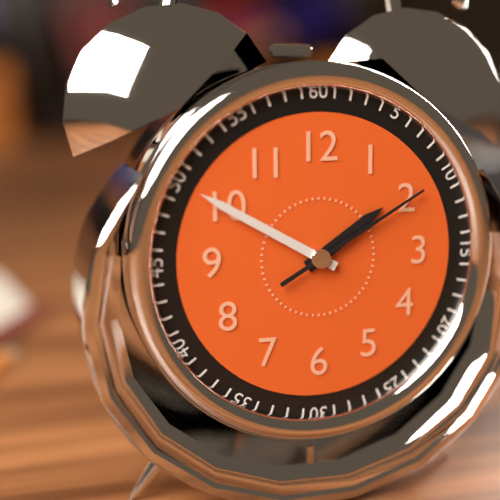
1:50:10
